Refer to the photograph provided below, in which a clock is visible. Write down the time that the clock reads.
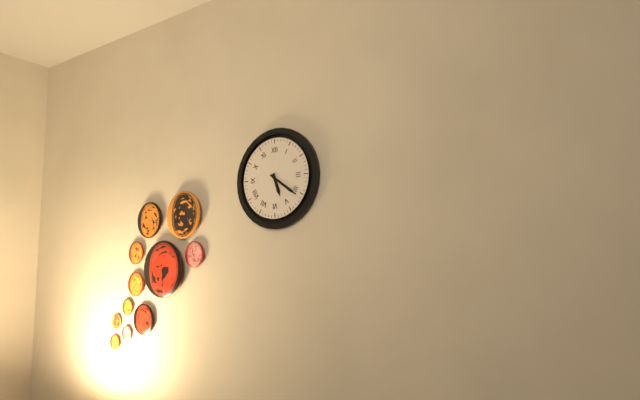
5:21
